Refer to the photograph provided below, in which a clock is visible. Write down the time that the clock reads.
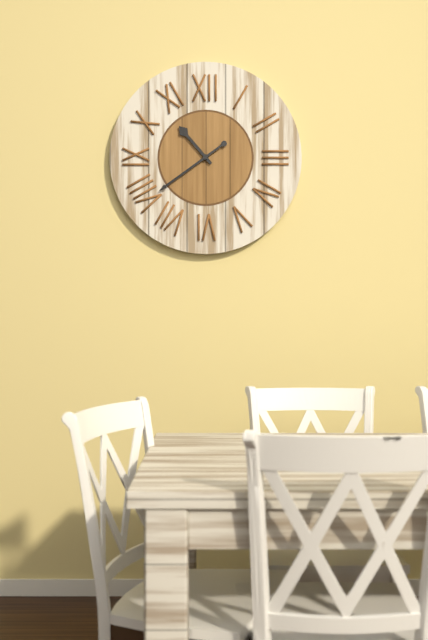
10:39
